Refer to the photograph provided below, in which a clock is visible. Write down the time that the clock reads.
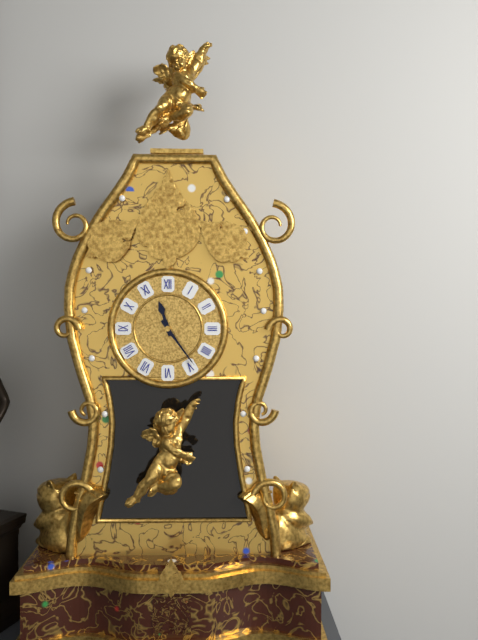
11:24
